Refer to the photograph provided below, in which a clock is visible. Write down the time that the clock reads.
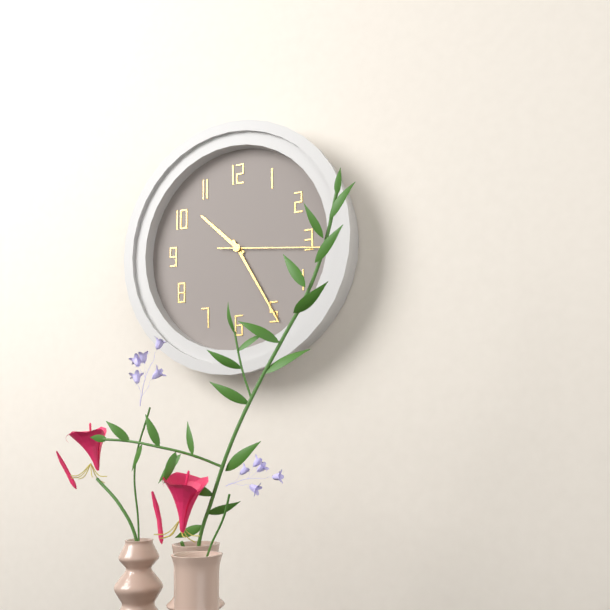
10:25:16
